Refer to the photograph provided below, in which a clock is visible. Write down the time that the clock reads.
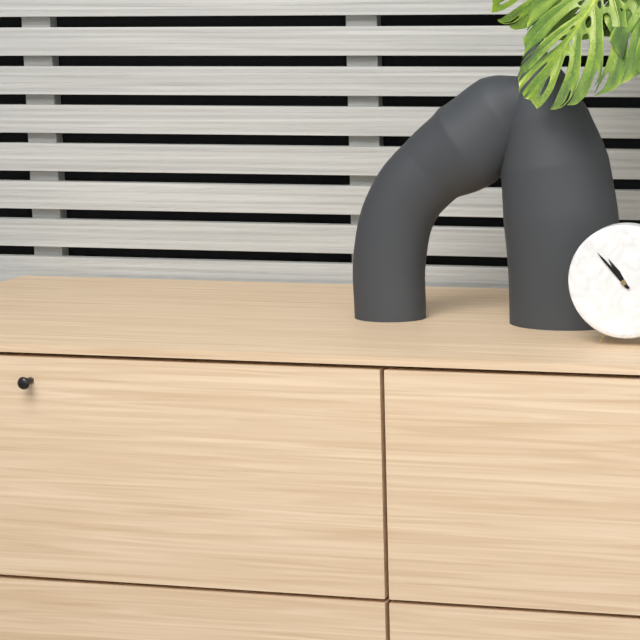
10:53
